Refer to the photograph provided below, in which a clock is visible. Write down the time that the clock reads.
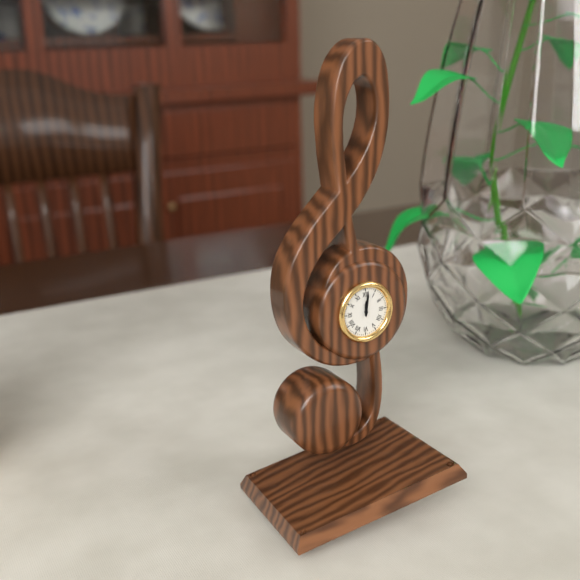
12:01
